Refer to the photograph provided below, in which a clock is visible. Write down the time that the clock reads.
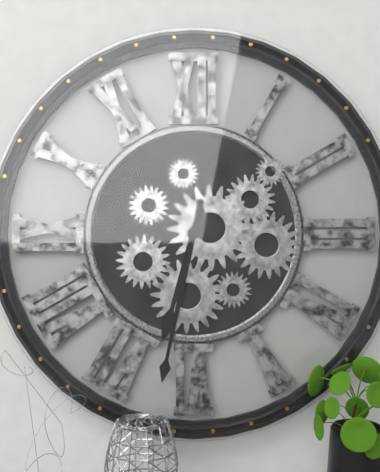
6:32
